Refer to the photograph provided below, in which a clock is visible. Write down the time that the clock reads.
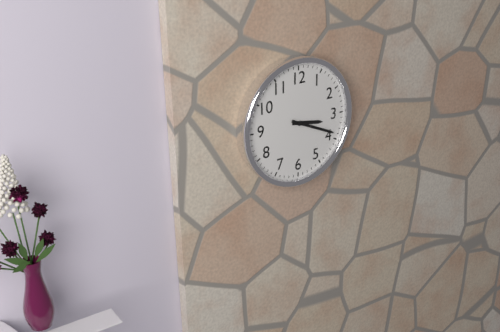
3:19
